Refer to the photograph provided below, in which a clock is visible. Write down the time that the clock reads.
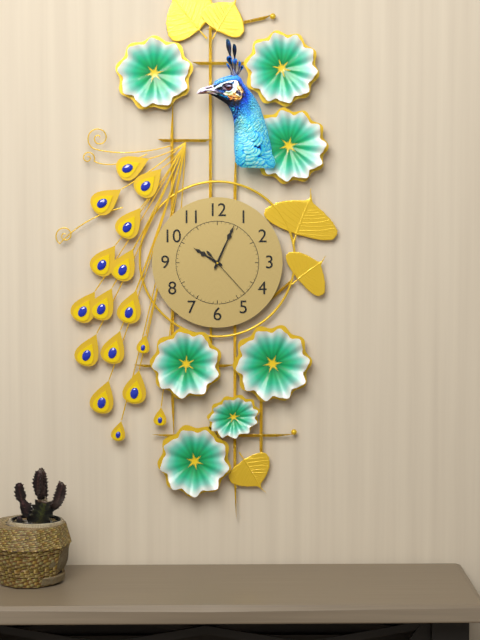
10:04:23
